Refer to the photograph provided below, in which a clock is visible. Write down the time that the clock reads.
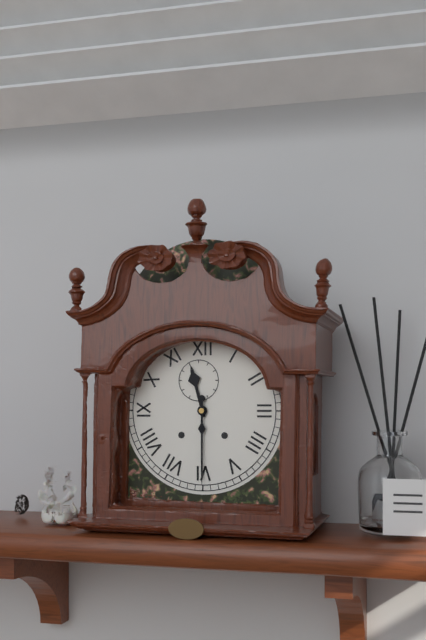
11:30
